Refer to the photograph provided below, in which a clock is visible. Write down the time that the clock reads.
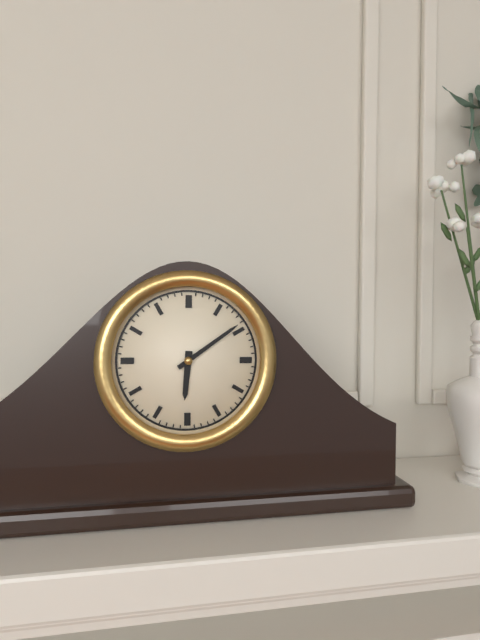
6:09
